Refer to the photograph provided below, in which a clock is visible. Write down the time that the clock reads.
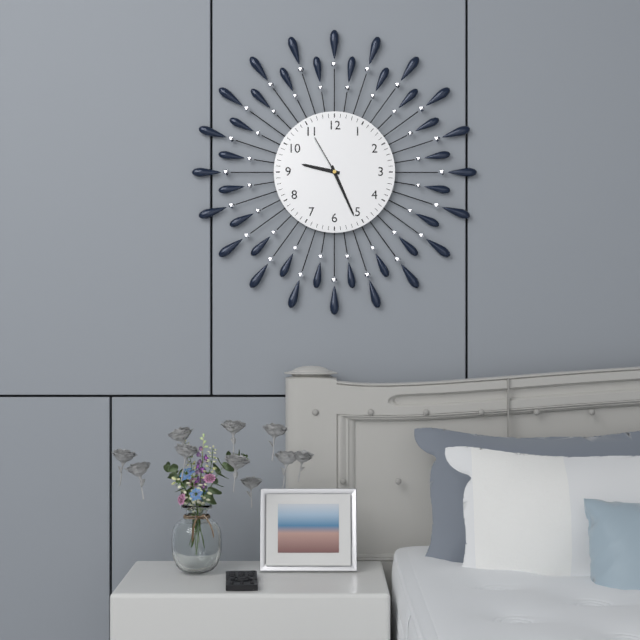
9:26:55
